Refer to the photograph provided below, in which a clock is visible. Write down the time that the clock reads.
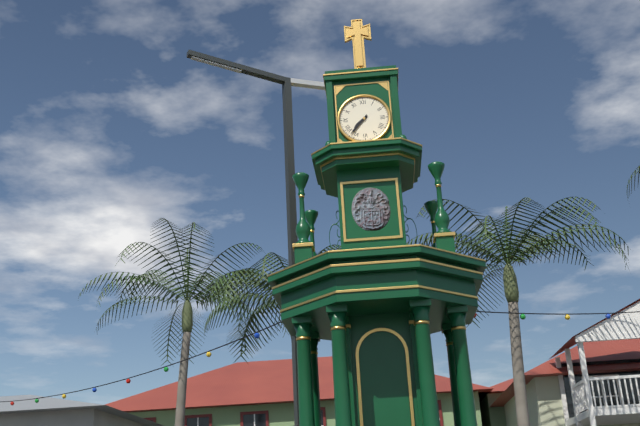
7:37
